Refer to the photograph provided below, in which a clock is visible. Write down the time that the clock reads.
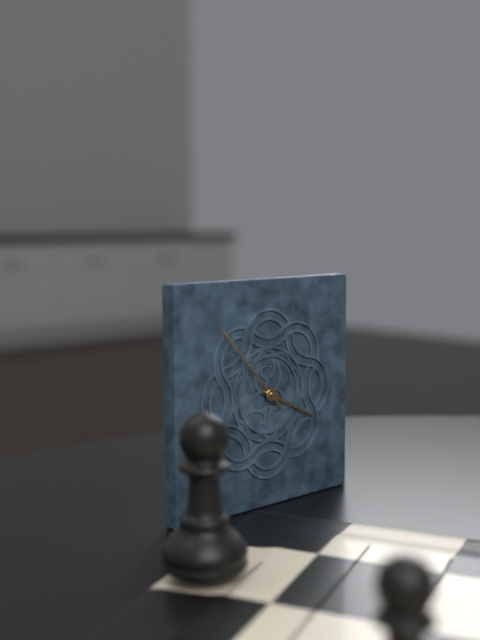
3:53
